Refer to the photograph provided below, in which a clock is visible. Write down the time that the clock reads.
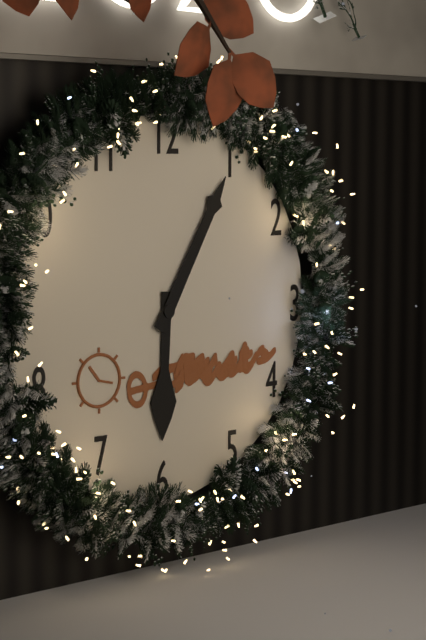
6:05
